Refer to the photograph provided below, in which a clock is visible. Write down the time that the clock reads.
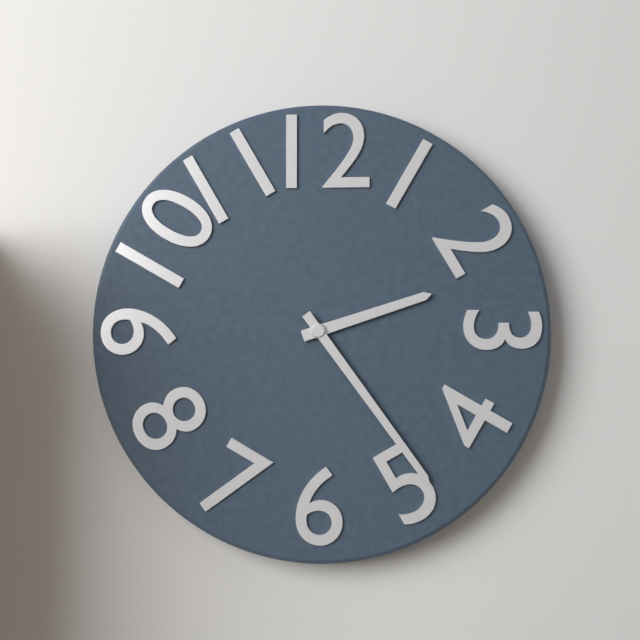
2:24
